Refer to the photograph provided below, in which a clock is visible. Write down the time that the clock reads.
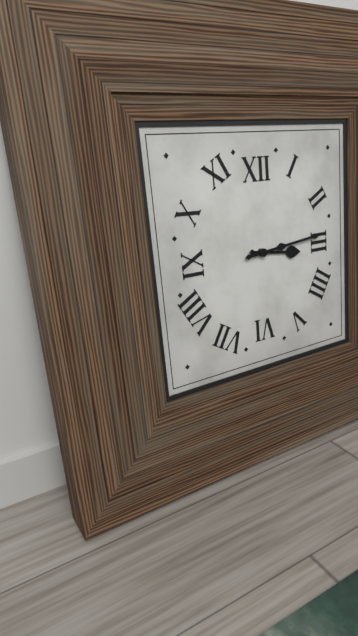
3:14
